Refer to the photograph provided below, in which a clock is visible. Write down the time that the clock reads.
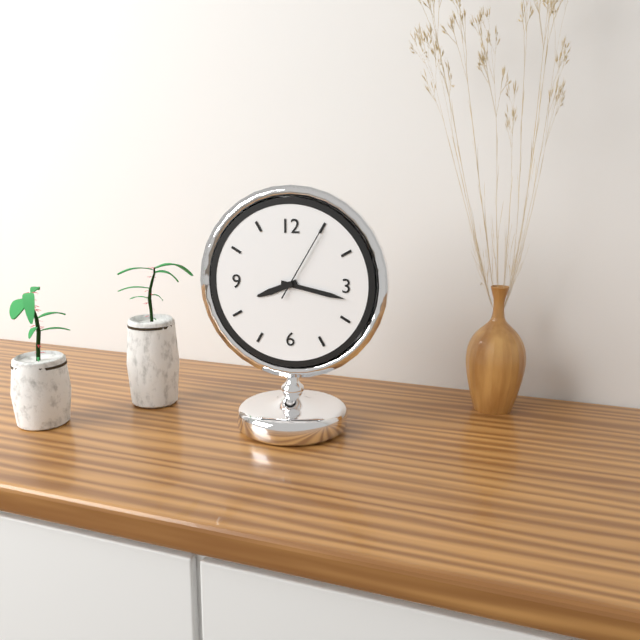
8:17:05
